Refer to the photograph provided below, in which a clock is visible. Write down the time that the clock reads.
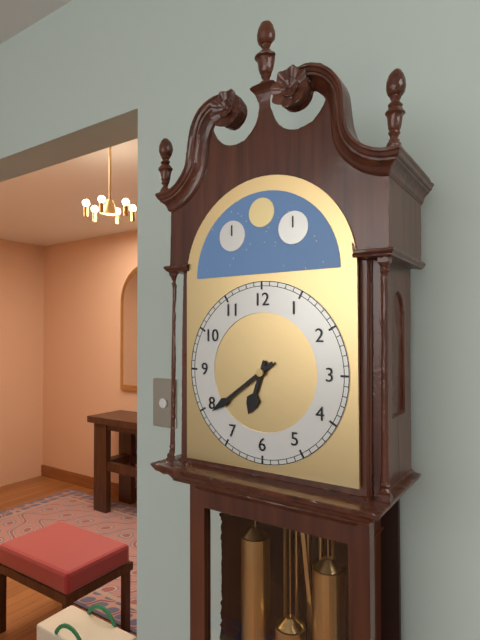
6:39
